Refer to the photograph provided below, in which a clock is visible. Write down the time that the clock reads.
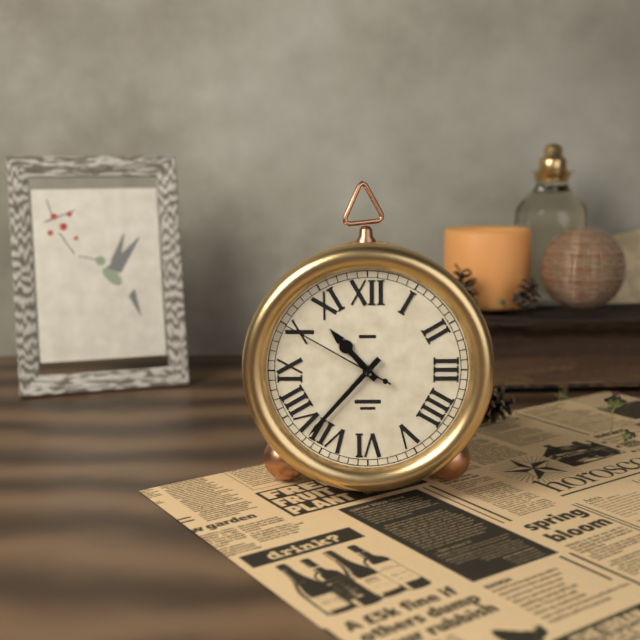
10:37:50
